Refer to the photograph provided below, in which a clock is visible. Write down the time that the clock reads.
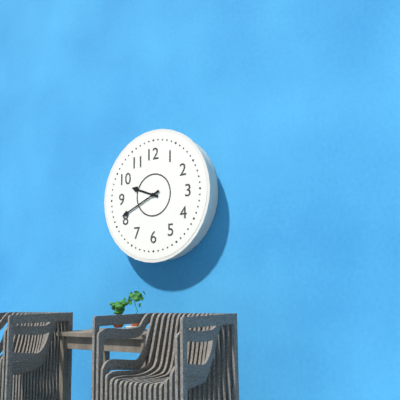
9:41
